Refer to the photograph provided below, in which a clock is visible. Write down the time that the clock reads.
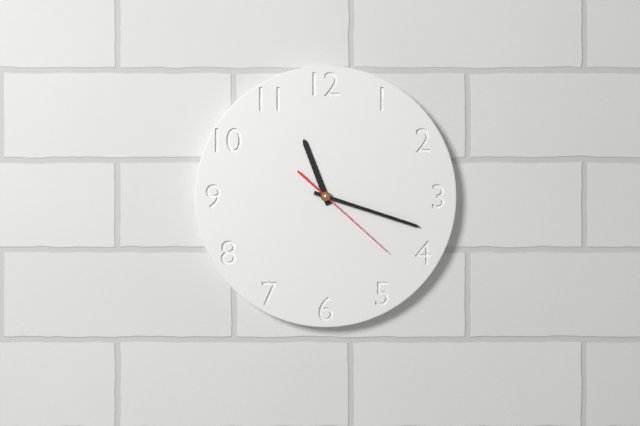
11:18:22
